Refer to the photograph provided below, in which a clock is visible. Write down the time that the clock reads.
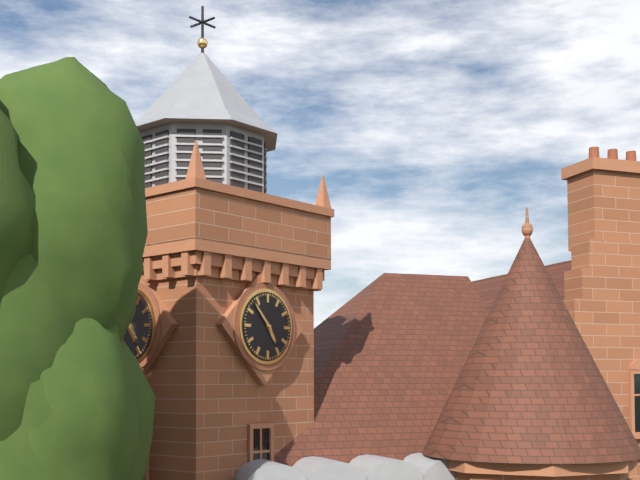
4:53
